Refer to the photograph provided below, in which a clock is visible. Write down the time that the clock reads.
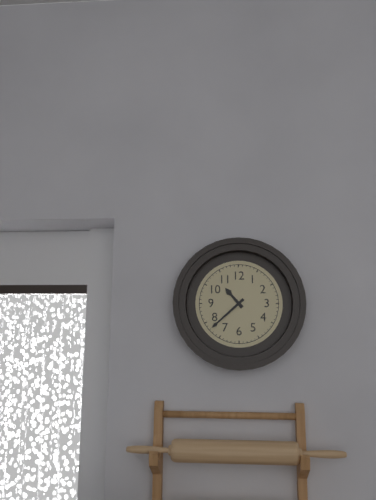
10:38
